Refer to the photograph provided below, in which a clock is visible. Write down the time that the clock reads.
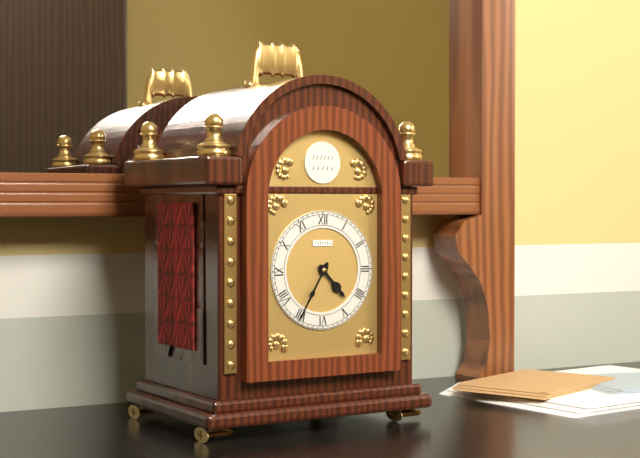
4:35
